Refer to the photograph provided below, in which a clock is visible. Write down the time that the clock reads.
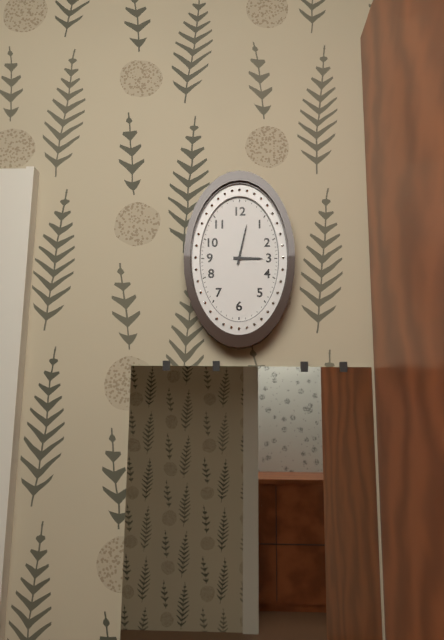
3:02
